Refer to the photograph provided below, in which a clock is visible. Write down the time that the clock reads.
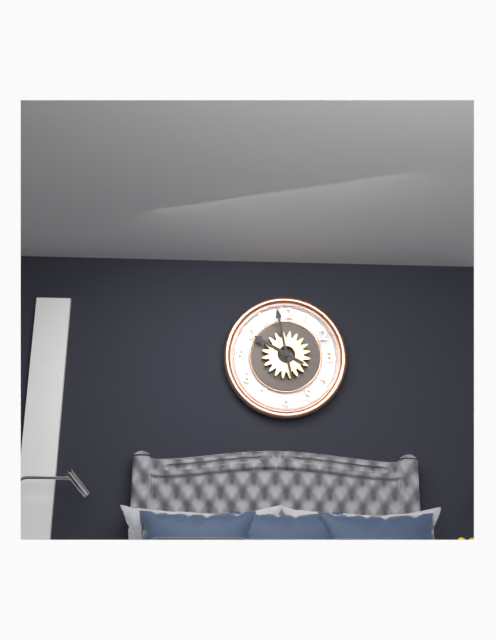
9:58
